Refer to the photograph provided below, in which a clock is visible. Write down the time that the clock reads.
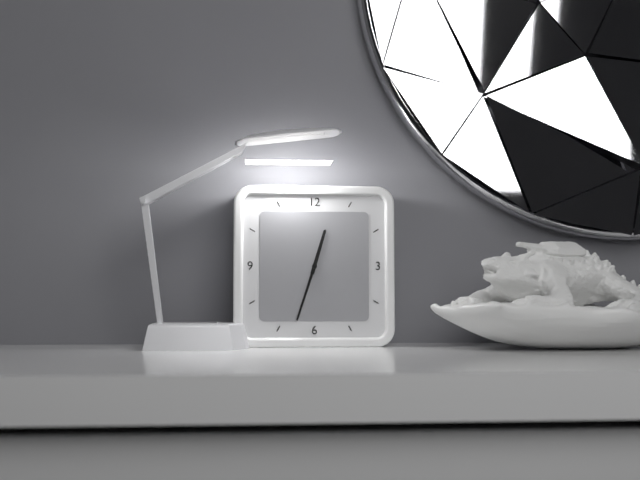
12:33
